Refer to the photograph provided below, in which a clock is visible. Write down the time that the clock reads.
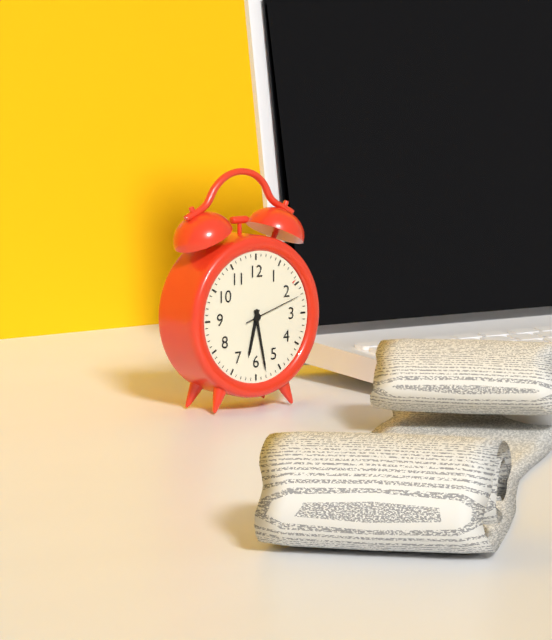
6:28:12
